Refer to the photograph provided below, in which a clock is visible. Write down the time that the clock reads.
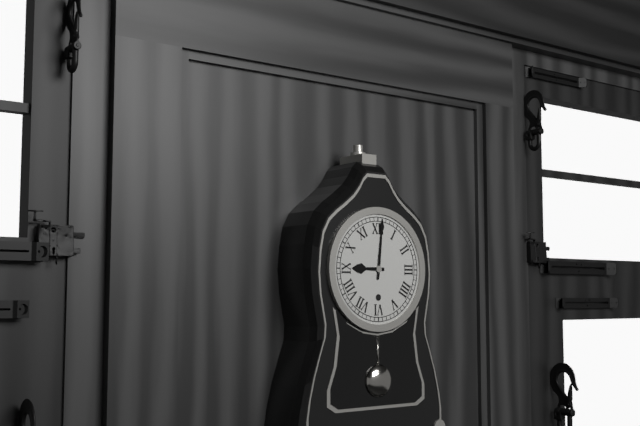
9:01
